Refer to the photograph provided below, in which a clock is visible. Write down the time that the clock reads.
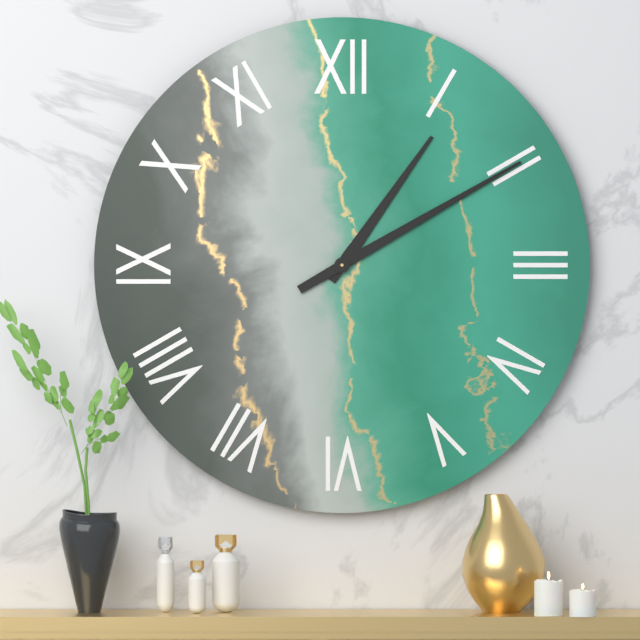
1:10
